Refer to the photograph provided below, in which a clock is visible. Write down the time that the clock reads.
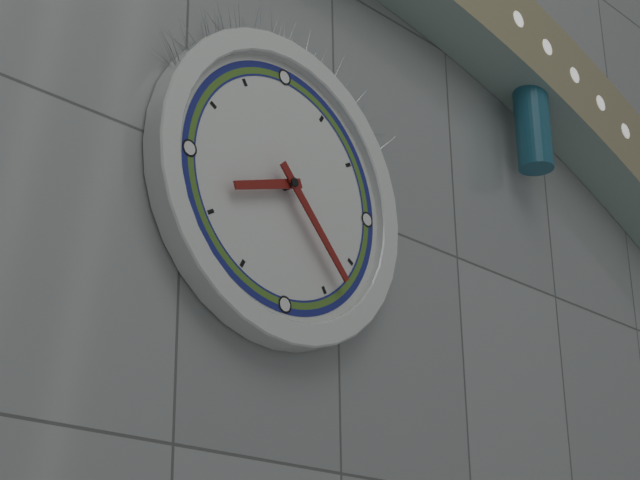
8:23
